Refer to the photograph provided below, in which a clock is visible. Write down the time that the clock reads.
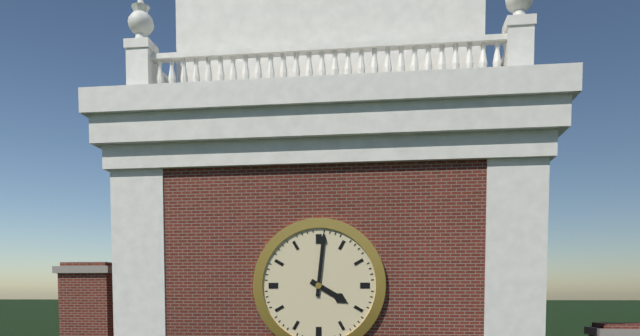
4:01
